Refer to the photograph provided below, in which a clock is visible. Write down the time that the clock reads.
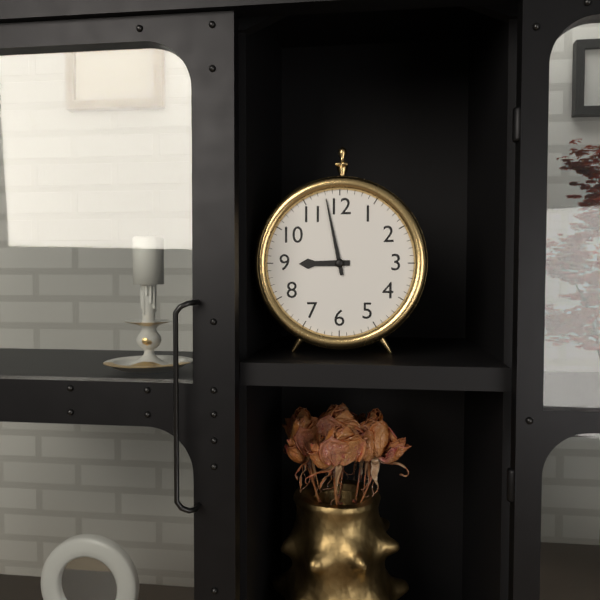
8:58
